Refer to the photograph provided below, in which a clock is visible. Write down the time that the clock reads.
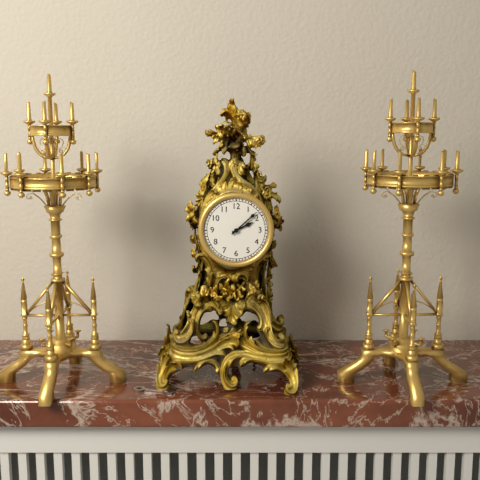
2:08
